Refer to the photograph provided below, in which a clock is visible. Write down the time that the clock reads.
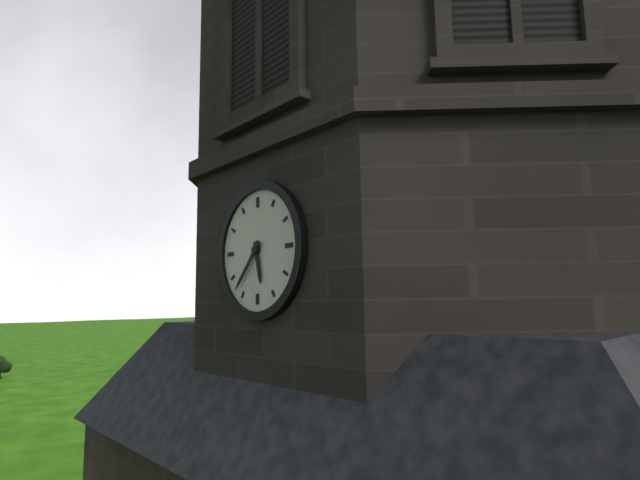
5:37
